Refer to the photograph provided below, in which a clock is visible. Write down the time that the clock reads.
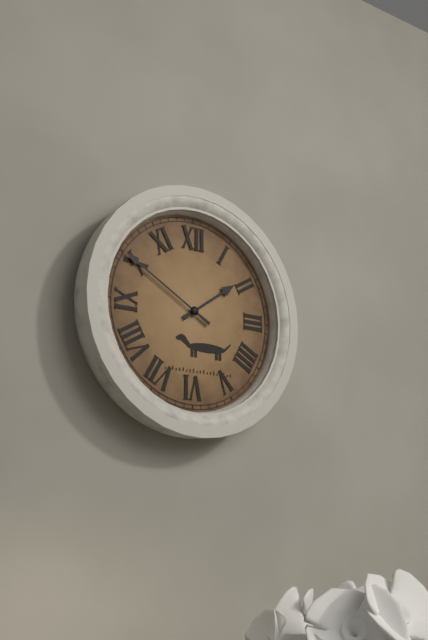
1:50
